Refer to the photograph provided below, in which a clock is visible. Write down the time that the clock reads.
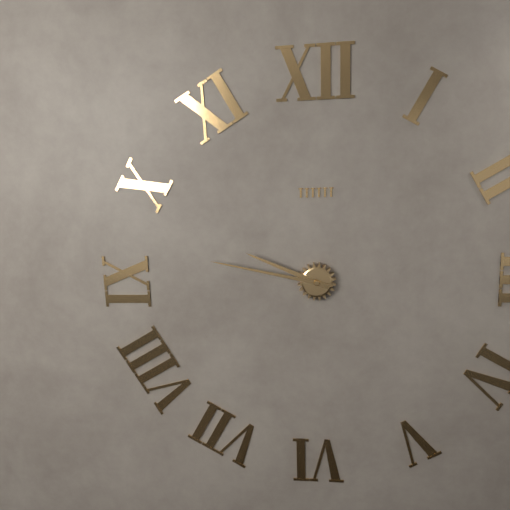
9:47
